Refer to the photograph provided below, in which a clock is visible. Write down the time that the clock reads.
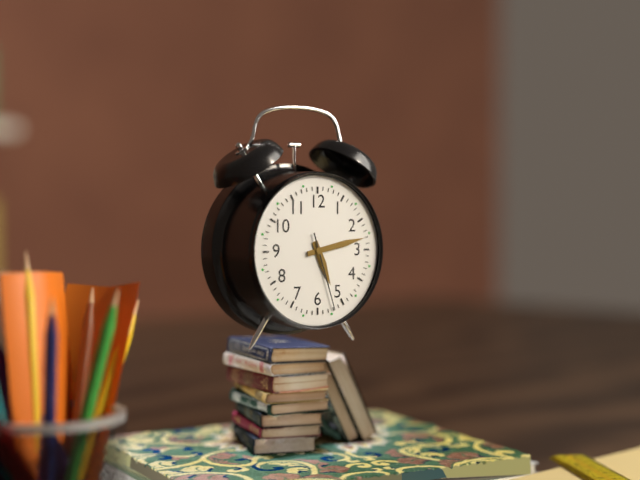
5:13:27
